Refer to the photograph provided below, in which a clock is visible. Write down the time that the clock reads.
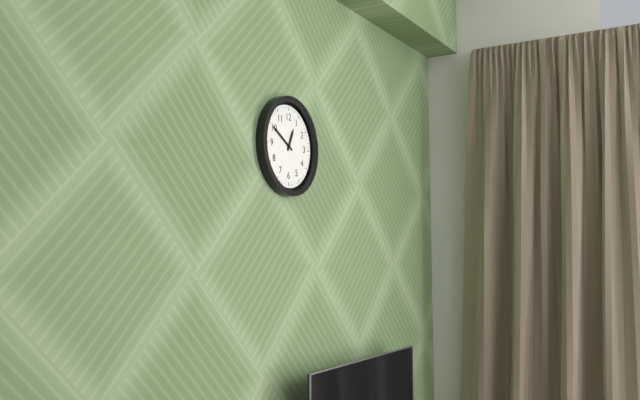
12:50
